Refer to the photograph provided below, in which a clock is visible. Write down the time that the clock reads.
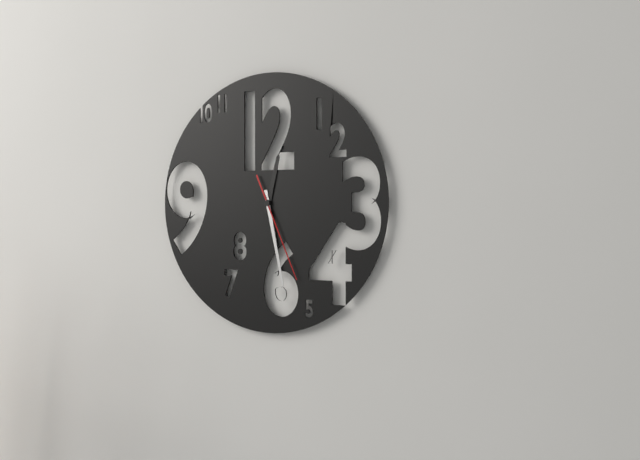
12:28:26
